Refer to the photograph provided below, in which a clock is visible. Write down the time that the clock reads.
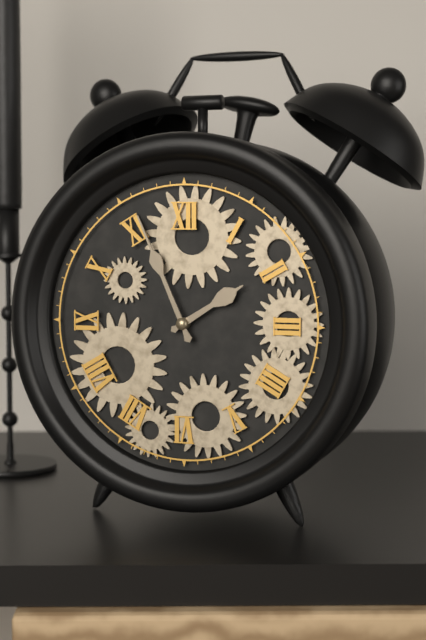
1:56
